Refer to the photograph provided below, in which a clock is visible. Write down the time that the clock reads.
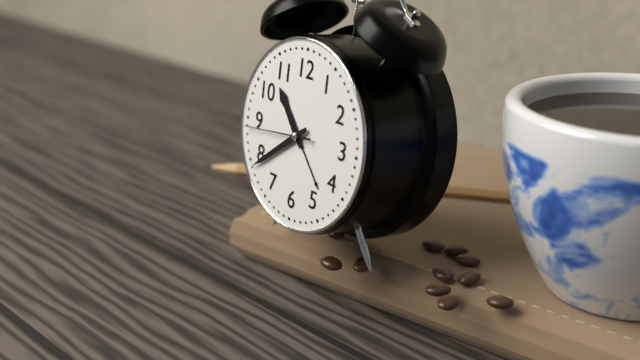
10:39:44
